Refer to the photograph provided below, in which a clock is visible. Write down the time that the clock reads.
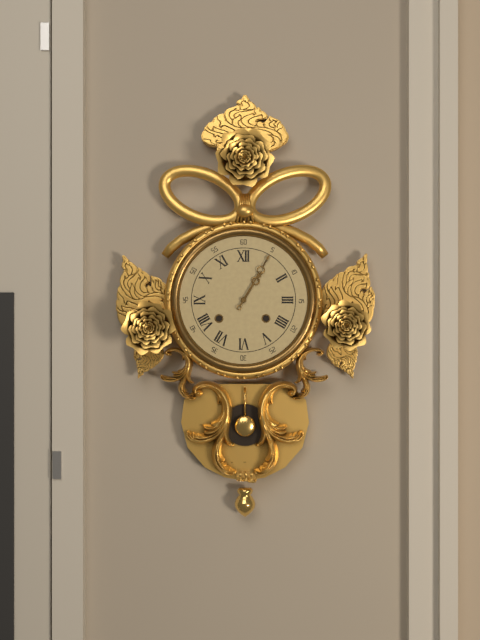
1:05
